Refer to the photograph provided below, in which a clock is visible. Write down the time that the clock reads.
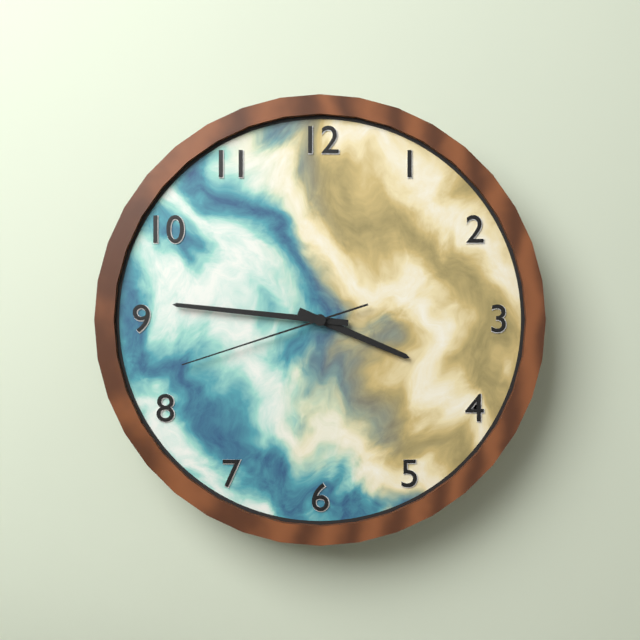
3:46:42
